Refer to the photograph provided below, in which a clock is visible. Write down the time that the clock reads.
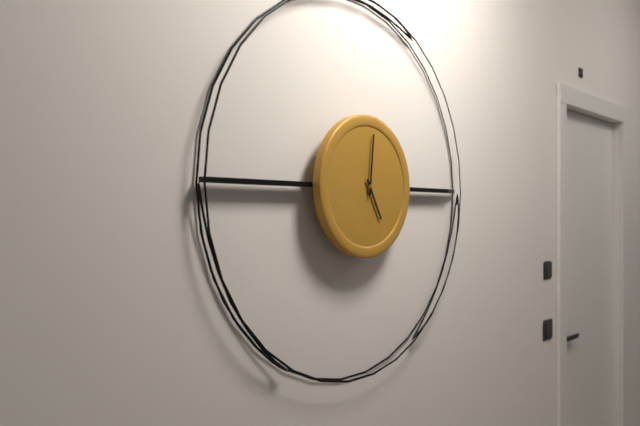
5:01
